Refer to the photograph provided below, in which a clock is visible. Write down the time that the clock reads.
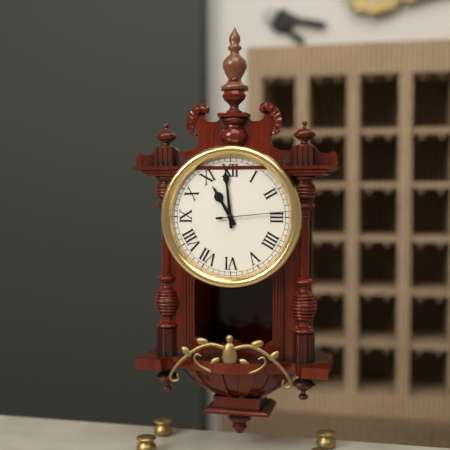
10:59:14
